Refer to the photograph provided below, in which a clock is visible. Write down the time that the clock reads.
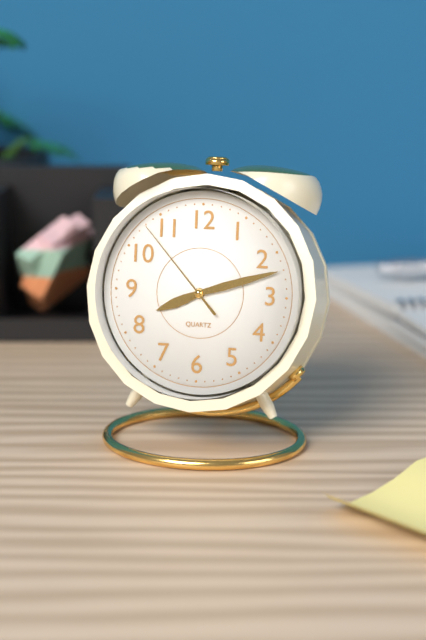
8:12:53
